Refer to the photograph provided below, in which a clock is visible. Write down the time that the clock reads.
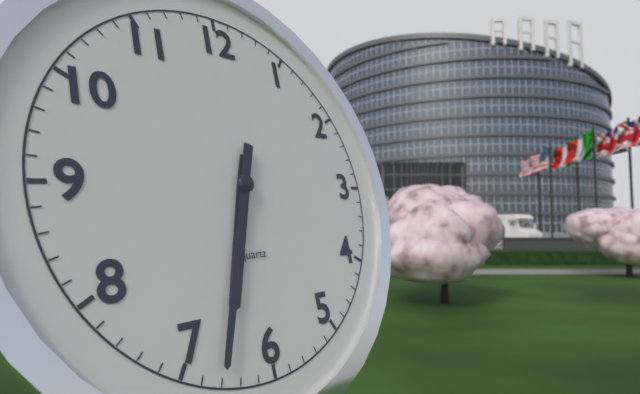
6:33
